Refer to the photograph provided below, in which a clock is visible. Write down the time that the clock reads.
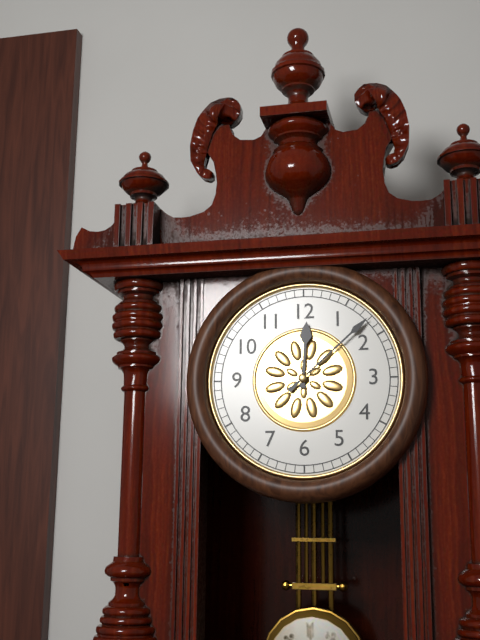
12:08
